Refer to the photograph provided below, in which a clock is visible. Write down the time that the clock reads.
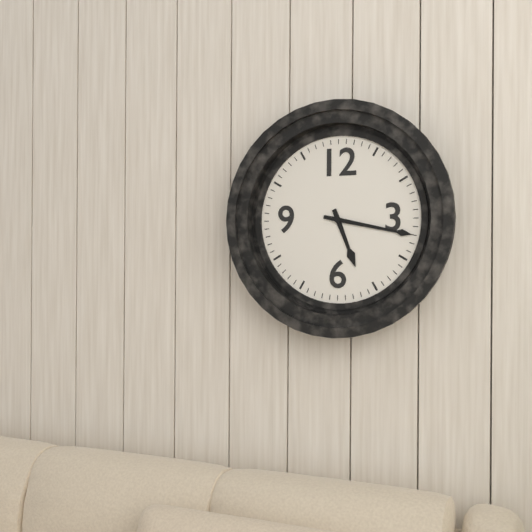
5:17
